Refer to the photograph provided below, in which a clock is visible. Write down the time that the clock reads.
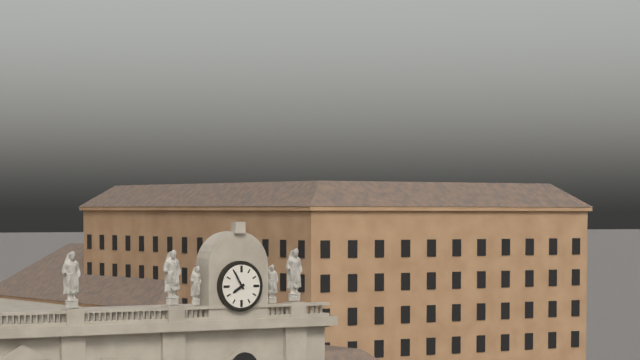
7:55
